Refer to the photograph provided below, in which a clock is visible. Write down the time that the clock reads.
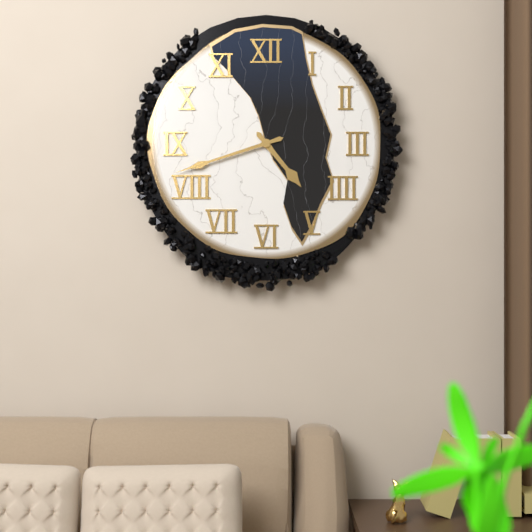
4:42
